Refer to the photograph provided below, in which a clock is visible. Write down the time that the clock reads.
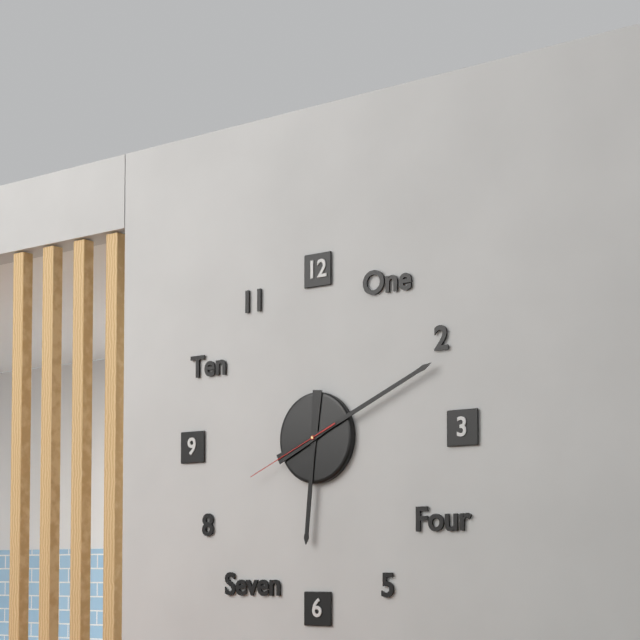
6:11:41
